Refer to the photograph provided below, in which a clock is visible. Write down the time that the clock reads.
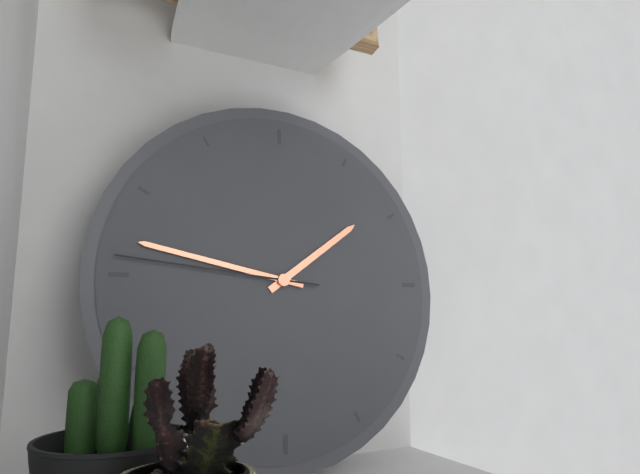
1:47:46
